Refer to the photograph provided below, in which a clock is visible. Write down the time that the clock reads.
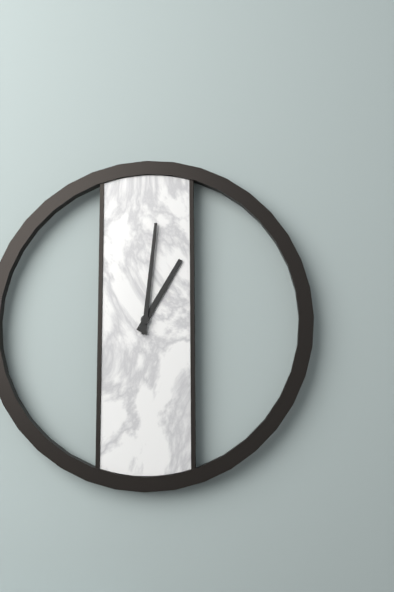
1:01
